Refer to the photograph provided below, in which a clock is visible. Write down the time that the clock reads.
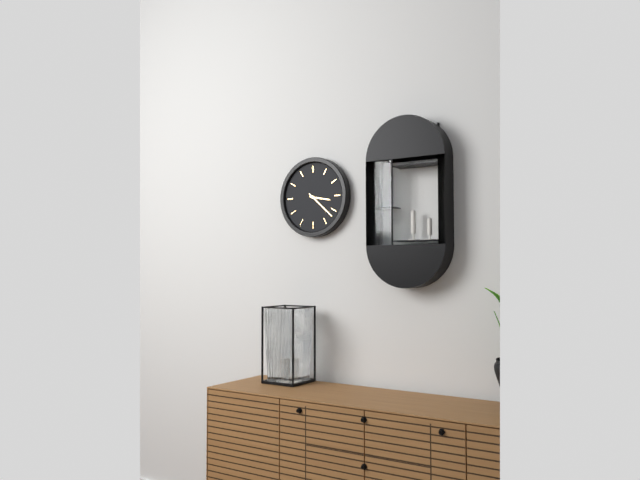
3:22
